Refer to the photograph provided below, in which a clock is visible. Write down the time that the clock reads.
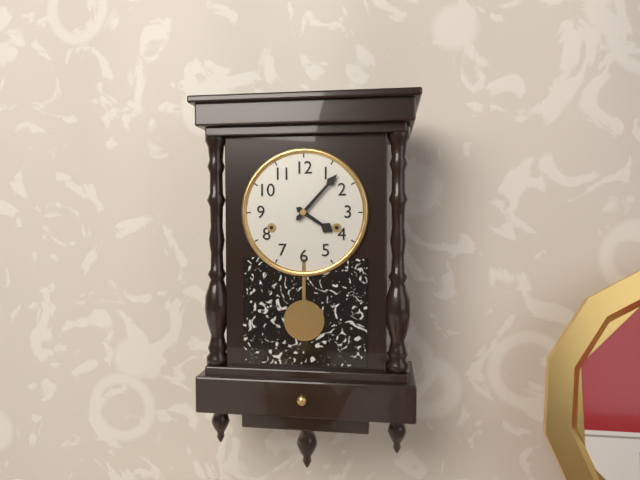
4:07
